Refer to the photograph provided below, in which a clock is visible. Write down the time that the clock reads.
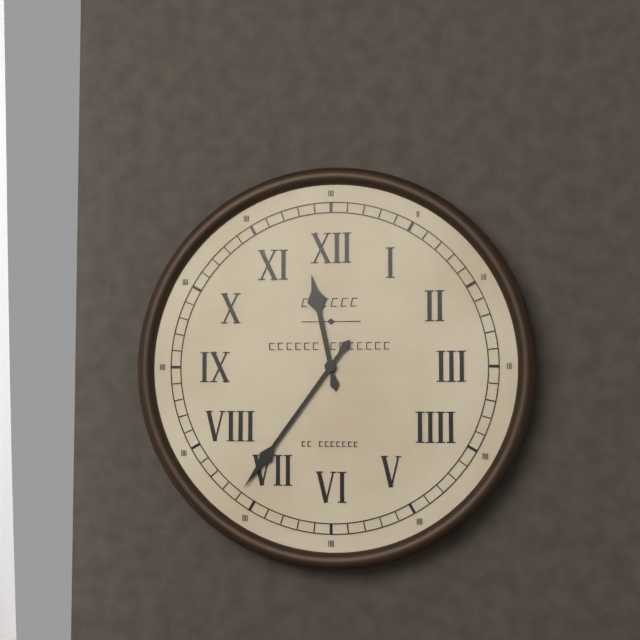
11:36
